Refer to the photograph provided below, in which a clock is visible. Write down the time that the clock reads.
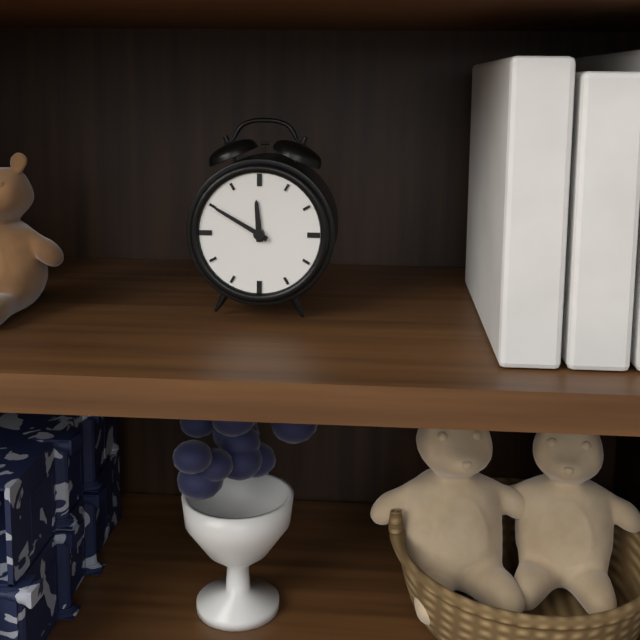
11:50
